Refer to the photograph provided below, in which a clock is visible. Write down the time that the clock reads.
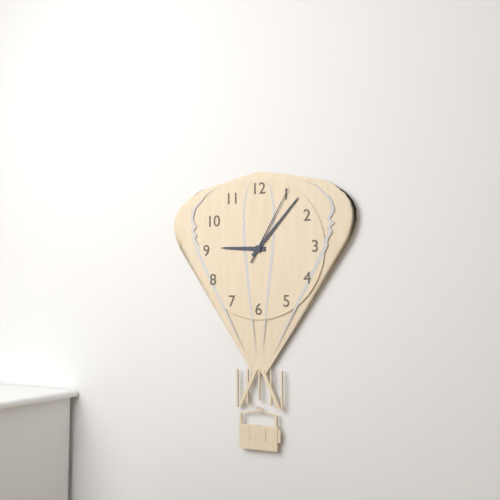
9:07:05
